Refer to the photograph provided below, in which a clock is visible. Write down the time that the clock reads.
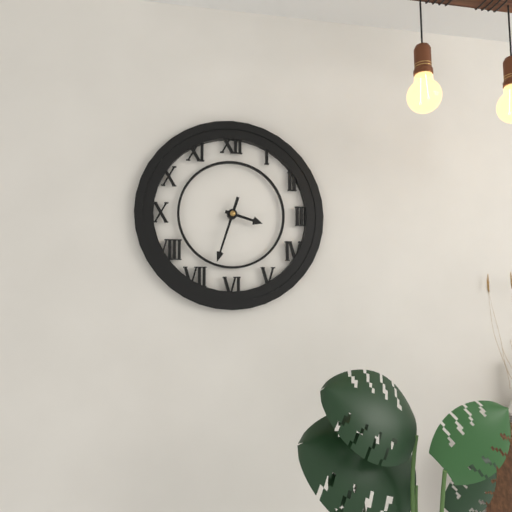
3:33
